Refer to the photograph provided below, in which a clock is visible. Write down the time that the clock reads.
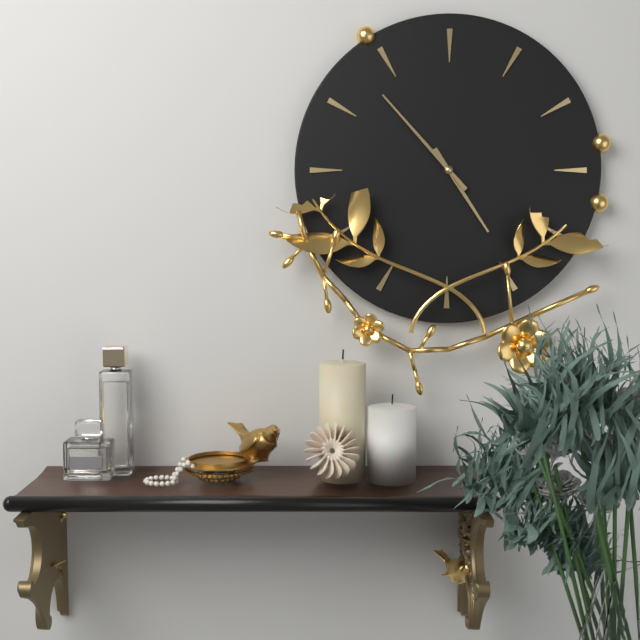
4:53
